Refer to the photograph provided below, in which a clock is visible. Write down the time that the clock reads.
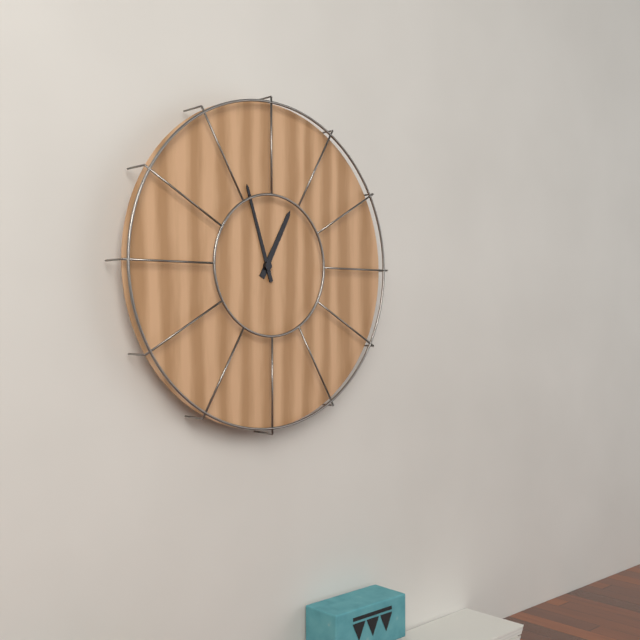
12:57
